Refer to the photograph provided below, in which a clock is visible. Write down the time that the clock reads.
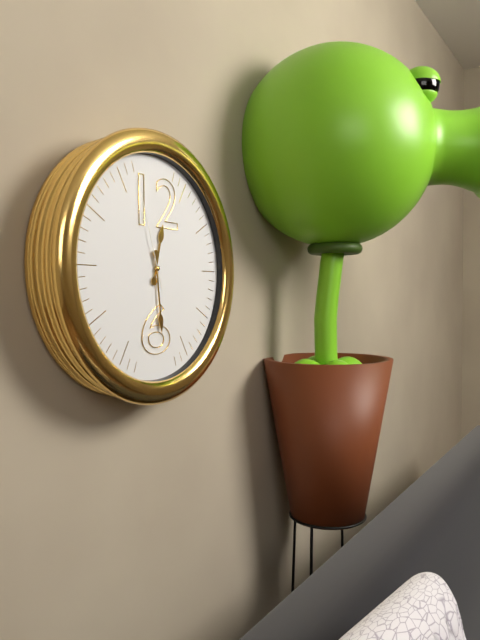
12:29:57
